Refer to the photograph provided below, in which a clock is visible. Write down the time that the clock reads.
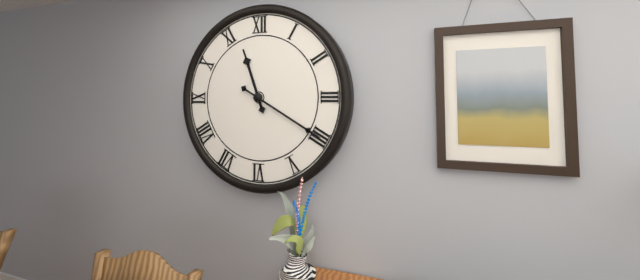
11:20
